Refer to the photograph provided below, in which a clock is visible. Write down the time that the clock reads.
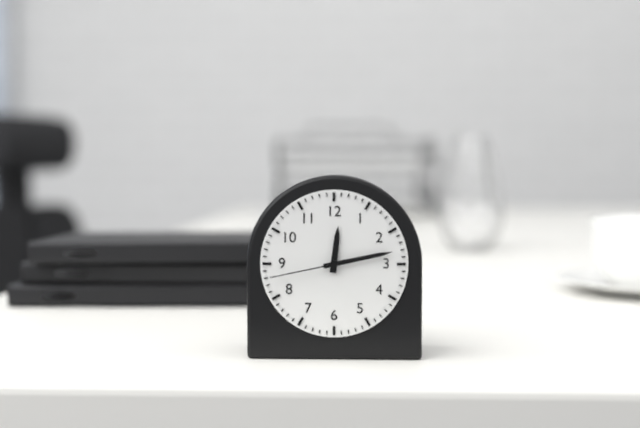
12:13:43
